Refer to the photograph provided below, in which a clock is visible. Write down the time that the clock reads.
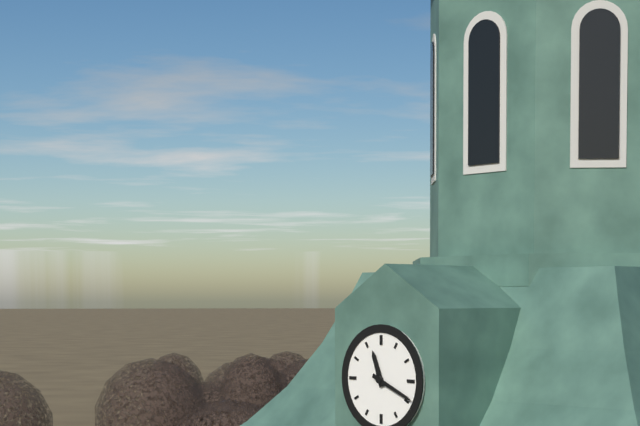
11:19
